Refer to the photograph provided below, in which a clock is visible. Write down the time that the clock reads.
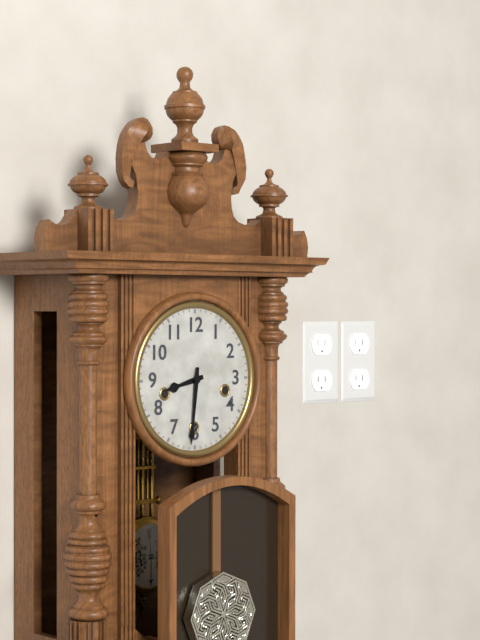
8:31
